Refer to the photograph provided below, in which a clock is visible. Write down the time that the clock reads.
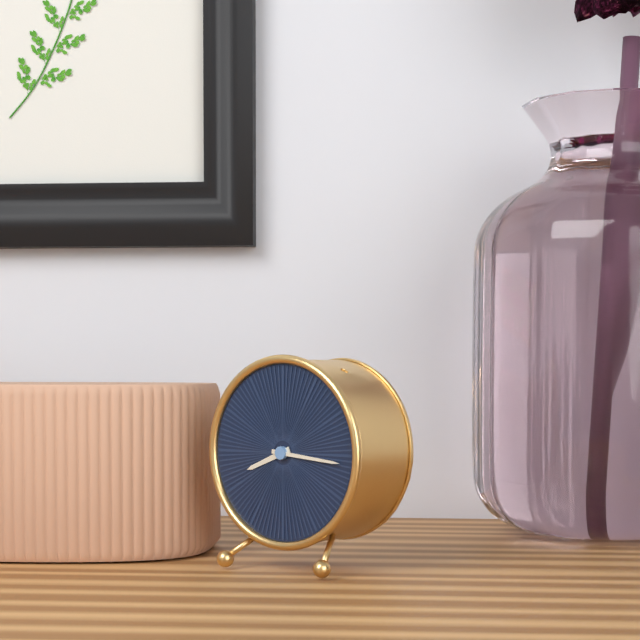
8:16
